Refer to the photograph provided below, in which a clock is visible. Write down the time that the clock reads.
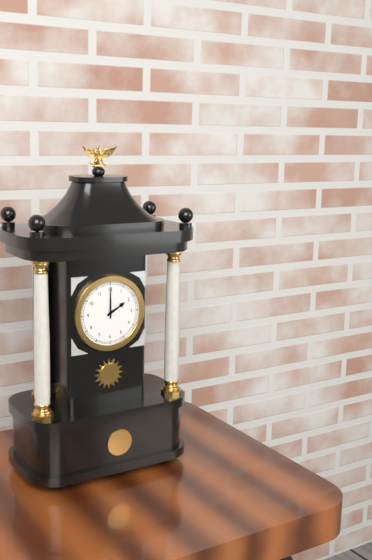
2:00
